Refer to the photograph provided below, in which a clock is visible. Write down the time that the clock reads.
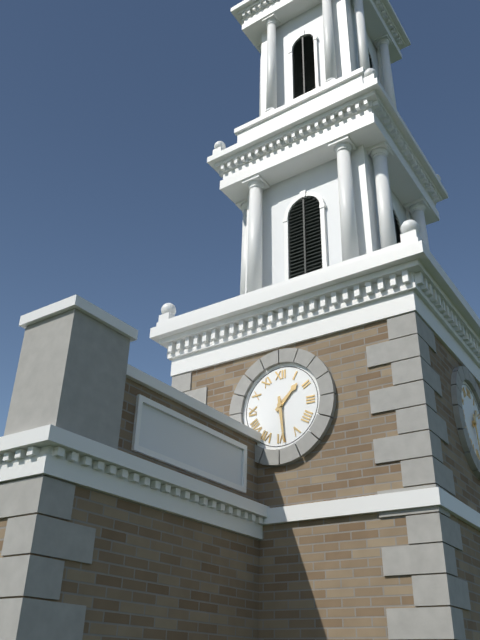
1:29
